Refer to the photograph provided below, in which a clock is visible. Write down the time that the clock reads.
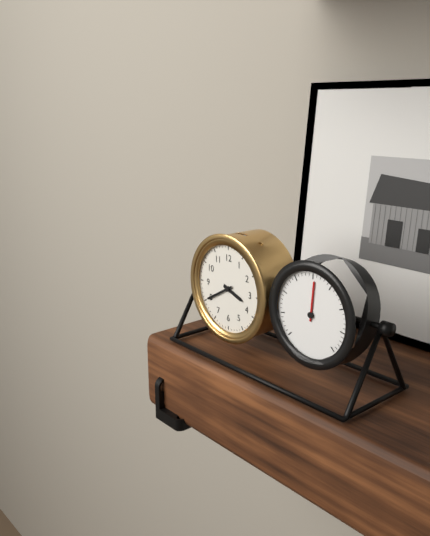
3:40
